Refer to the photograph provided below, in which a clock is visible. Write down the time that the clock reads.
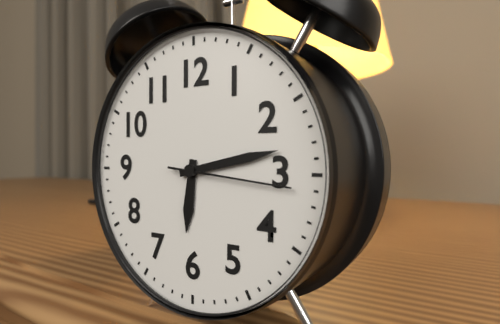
6:13:16
